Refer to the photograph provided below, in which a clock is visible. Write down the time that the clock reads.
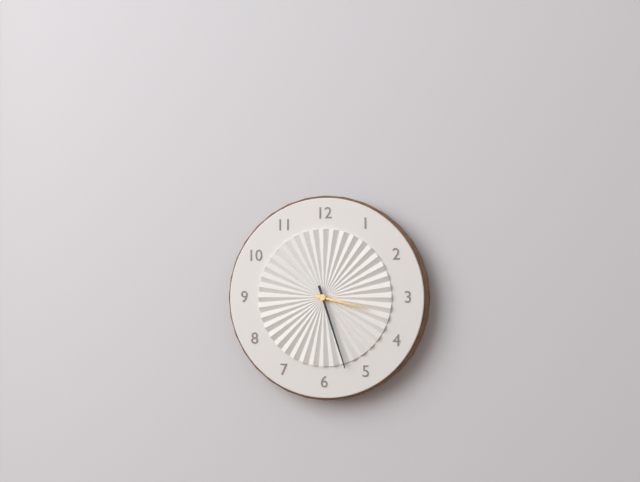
3:27
